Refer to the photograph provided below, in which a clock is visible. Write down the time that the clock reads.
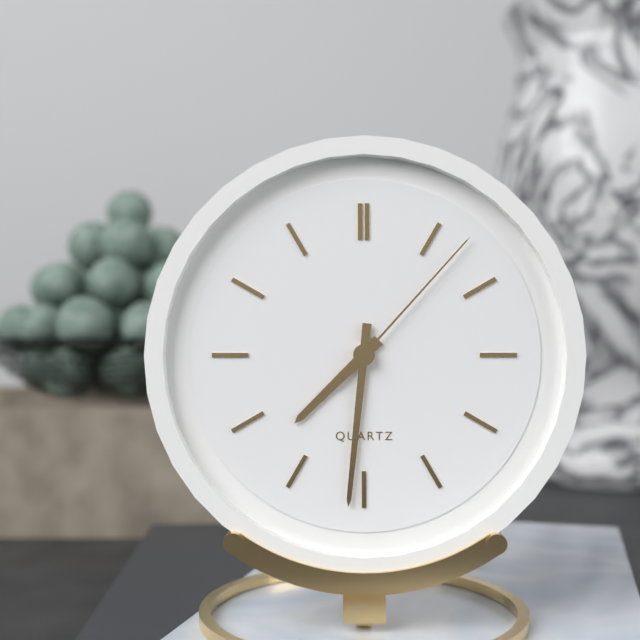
7:31:07
